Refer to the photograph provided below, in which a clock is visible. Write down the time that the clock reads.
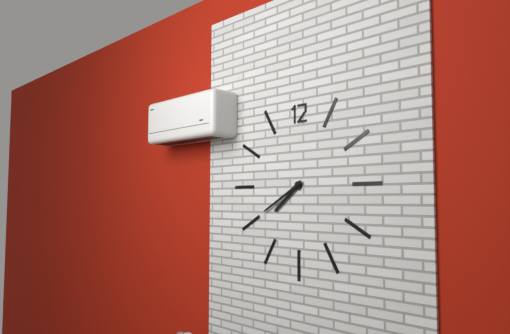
7:40
